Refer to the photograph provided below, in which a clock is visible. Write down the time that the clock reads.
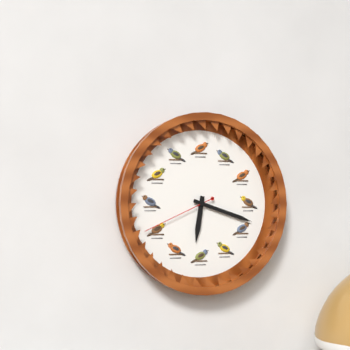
6:18:41
